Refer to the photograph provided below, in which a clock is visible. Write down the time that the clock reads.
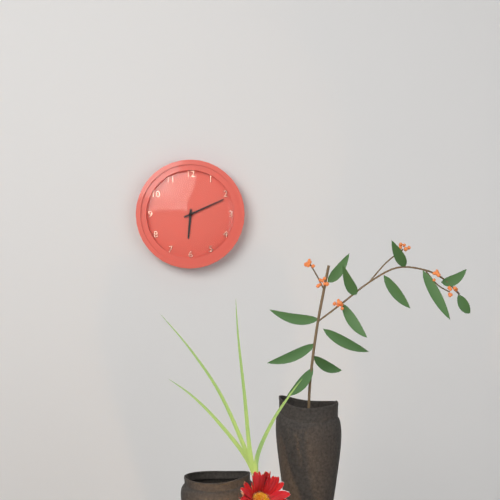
6:11
